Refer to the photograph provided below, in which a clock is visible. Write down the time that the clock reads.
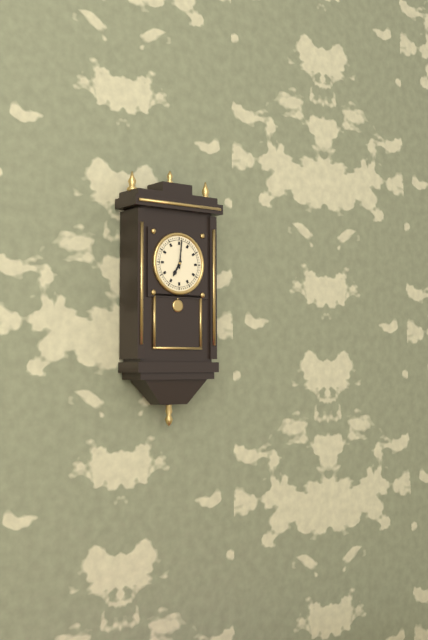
7:01
